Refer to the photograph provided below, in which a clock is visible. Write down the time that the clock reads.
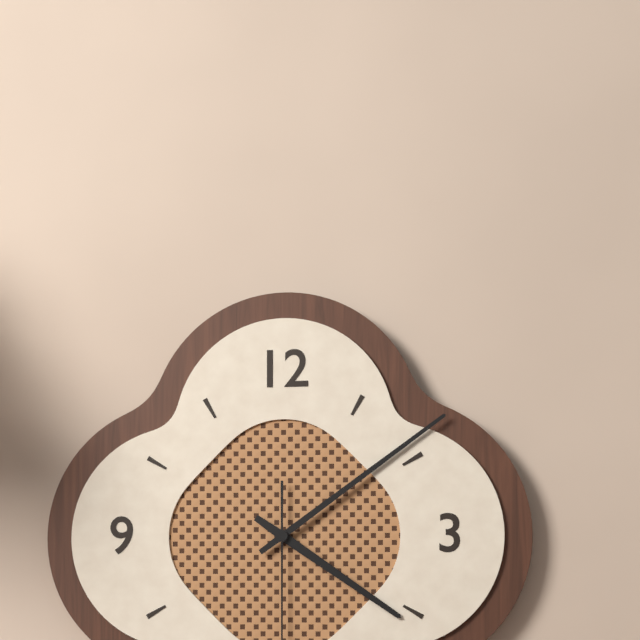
4:09
